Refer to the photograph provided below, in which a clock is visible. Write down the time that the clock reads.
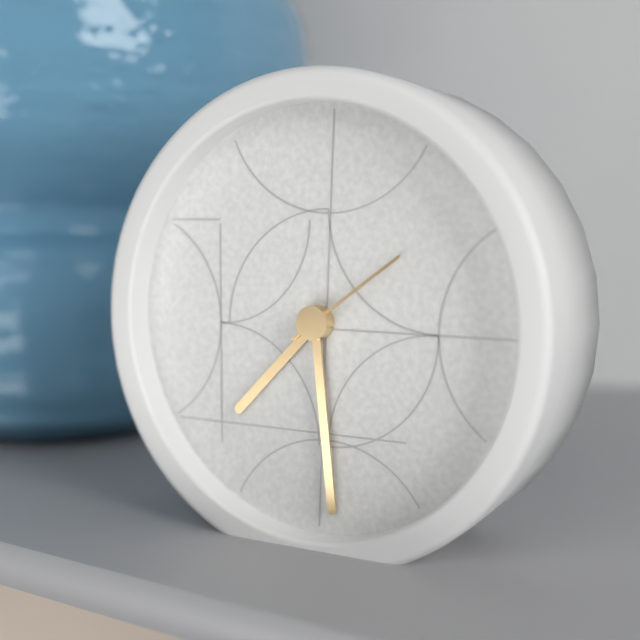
7:29:09
